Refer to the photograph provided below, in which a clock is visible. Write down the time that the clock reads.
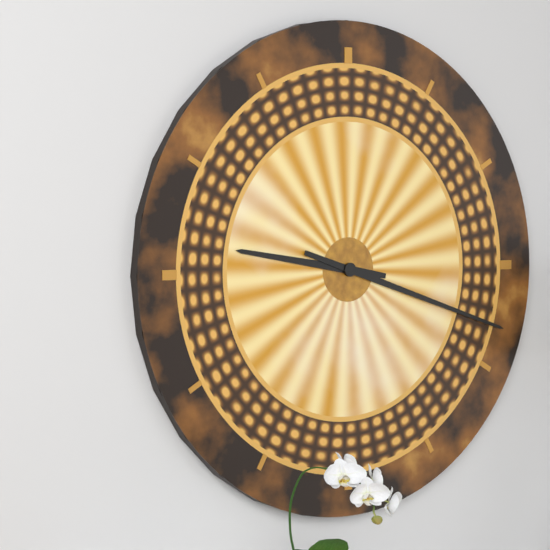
9:18
